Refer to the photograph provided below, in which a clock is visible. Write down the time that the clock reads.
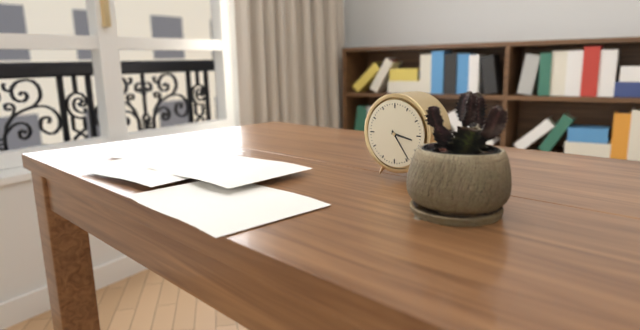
3:24
